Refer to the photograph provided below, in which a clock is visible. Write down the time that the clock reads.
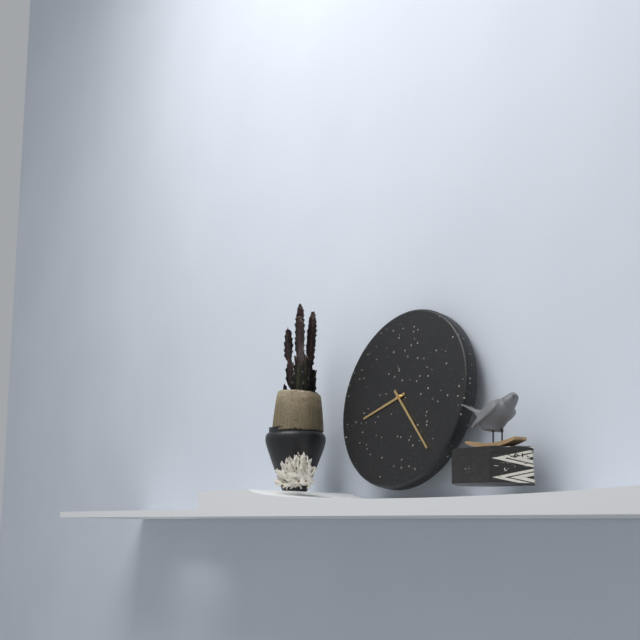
8:23
